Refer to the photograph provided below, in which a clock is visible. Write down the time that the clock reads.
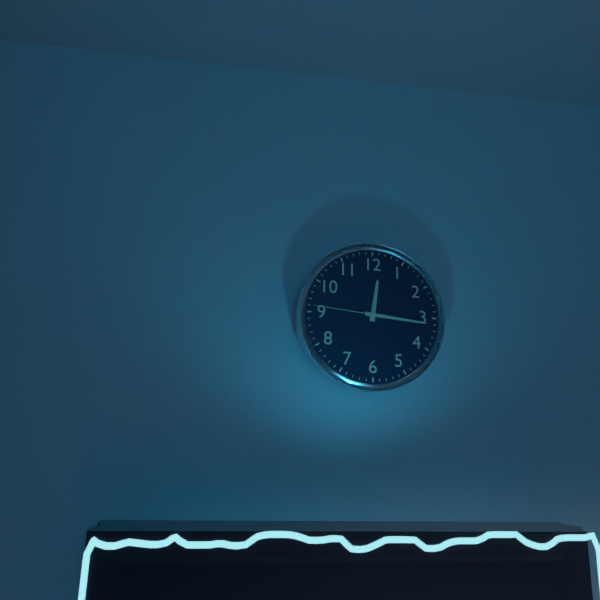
12:16:46
